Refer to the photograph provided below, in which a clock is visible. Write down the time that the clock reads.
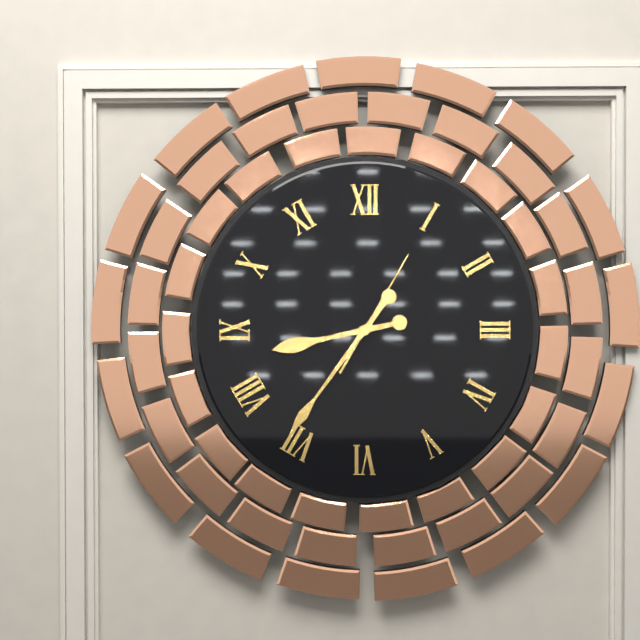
8:36:05
